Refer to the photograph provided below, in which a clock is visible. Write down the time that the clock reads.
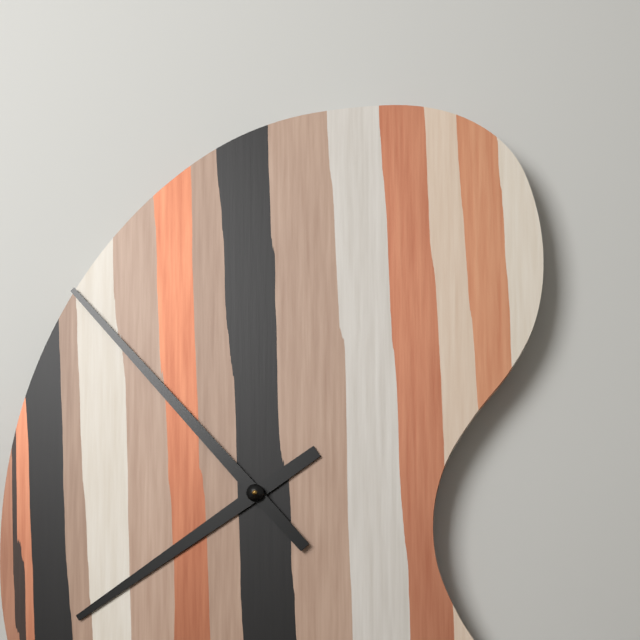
7:53
